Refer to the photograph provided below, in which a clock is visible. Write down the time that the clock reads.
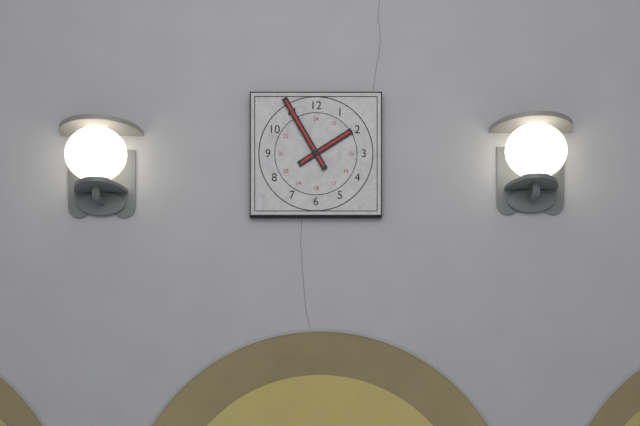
1:55
